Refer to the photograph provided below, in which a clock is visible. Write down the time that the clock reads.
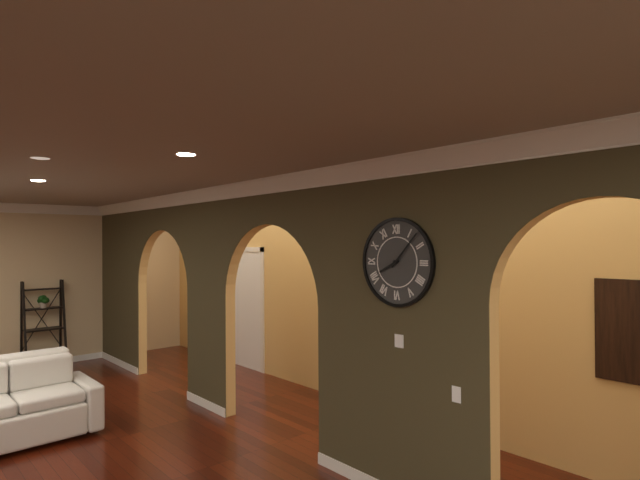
8:07
